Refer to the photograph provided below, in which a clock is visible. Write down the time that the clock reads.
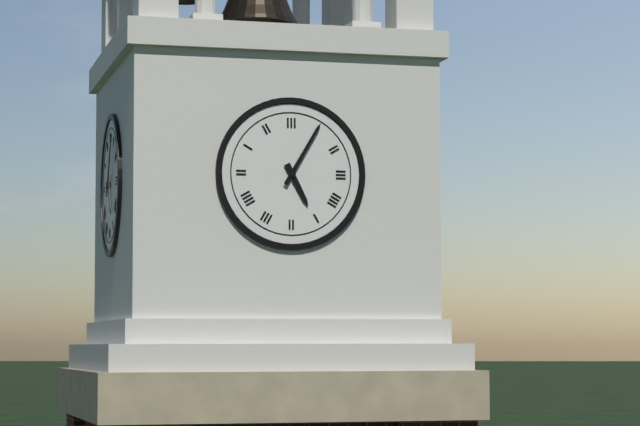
5:05
